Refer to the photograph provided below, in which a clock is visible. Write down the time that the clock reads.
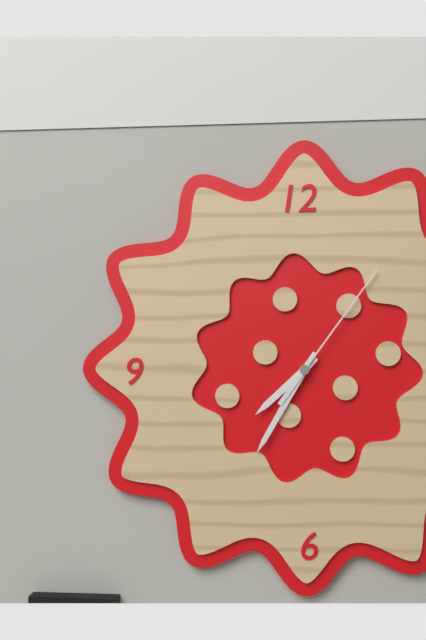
7:35:06
